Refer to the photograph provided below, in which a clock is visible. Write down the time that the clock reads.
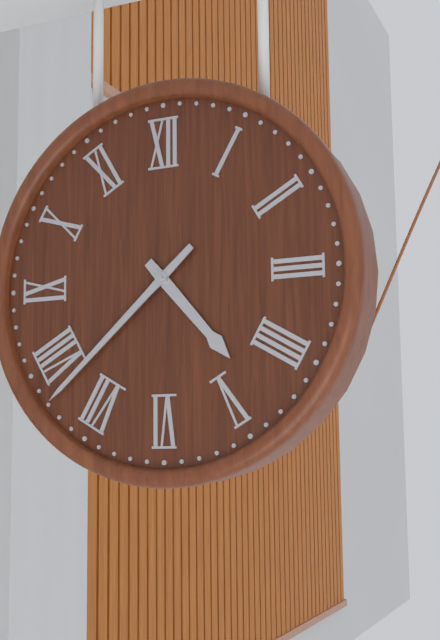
4:38
